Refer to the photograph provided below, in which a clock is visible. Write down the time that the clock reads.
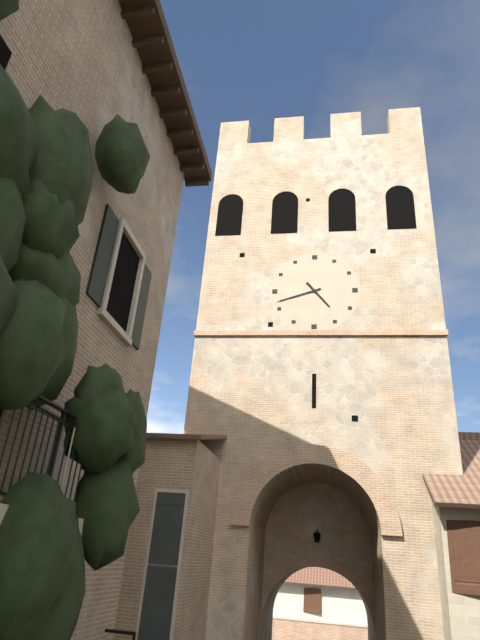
4:42
